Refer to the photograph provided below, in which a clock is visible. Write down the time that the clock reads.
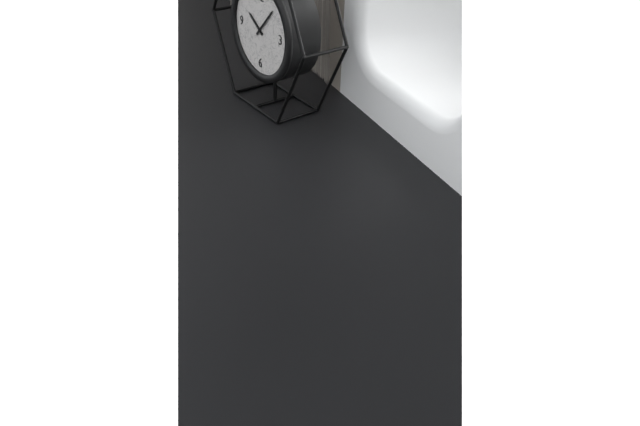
10:07
